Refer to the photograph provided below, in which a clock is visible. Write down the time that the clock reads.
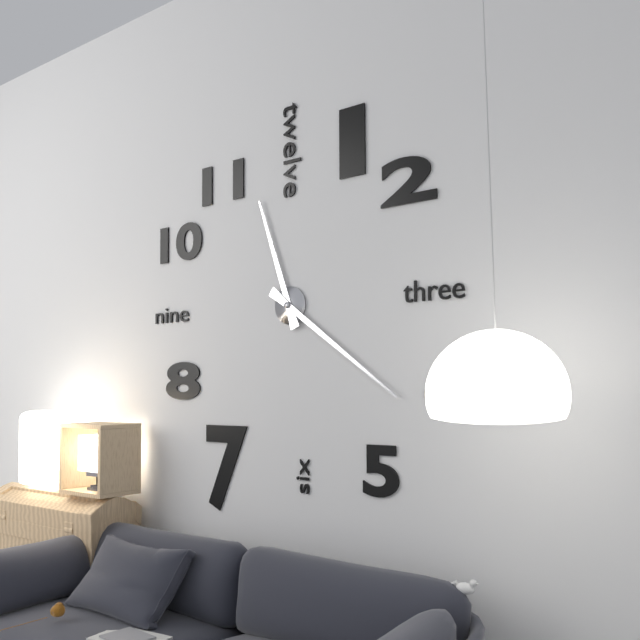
11:21
